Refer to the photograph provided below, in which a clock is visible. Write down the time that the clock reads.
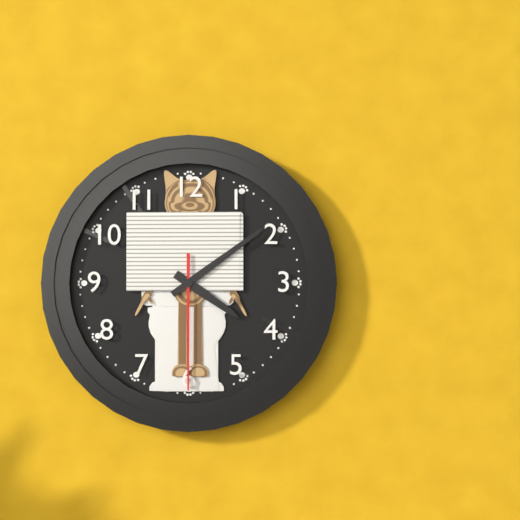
4:09:30
